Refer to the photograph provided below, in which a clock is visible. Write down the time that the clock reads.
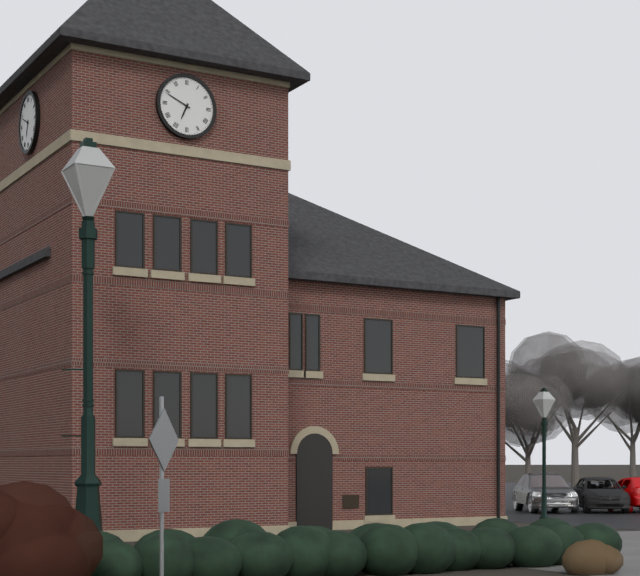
6:49
